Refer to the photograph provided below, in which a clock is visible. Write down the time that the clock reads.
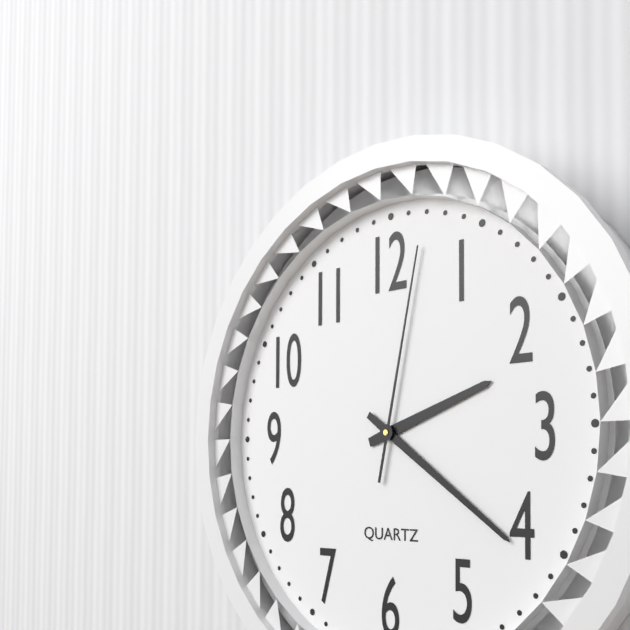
2:21:02
